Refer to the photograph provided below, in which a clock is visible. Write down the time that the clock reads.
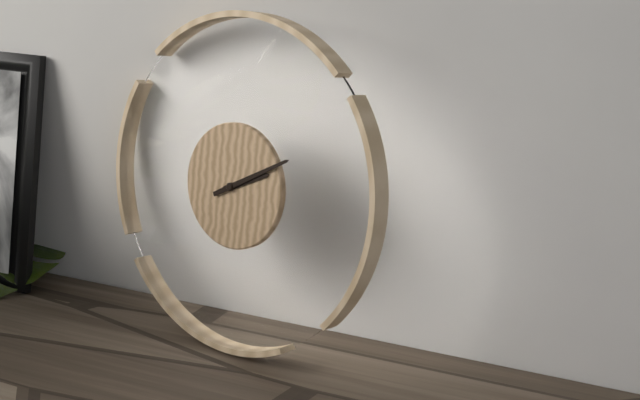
2:10
